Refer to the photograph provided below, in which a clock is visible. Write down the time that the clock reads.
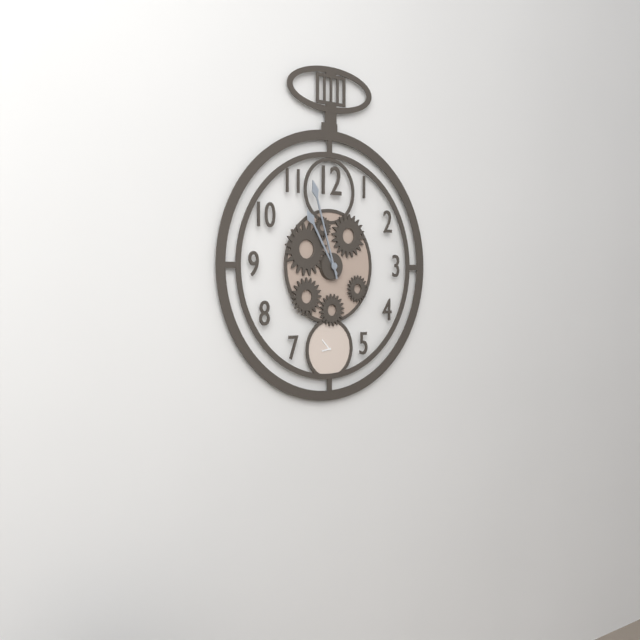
10:57
